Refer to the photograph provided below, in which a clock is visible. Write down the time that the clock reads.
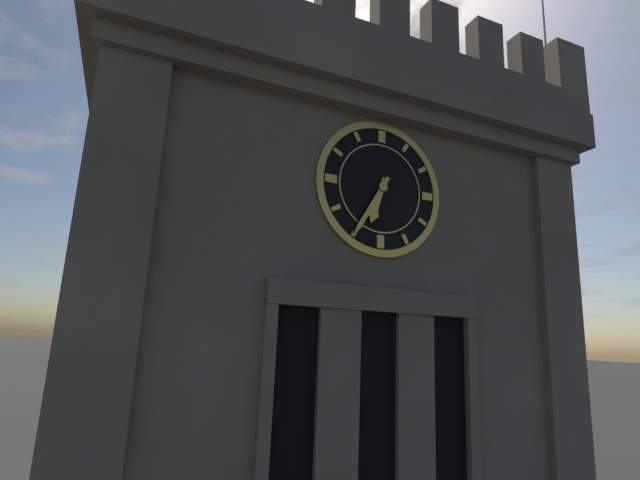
6:35
